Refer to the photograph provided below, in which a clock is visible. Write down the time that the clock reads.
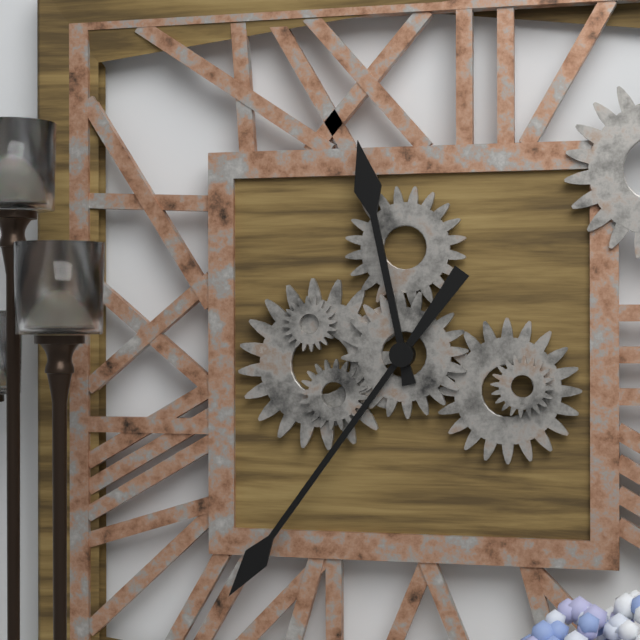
11:36
